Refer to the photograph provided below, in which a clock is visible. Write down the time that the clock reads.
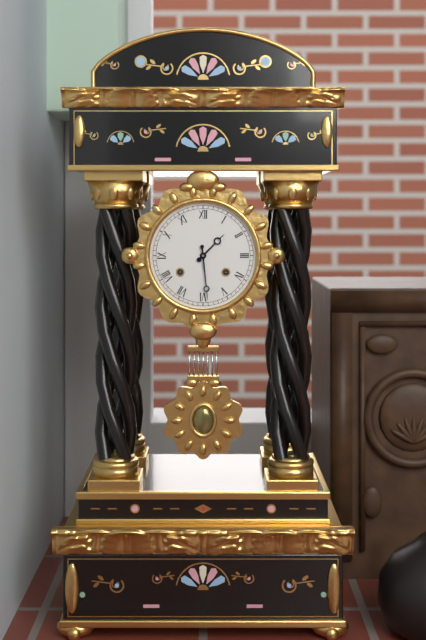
1:29
